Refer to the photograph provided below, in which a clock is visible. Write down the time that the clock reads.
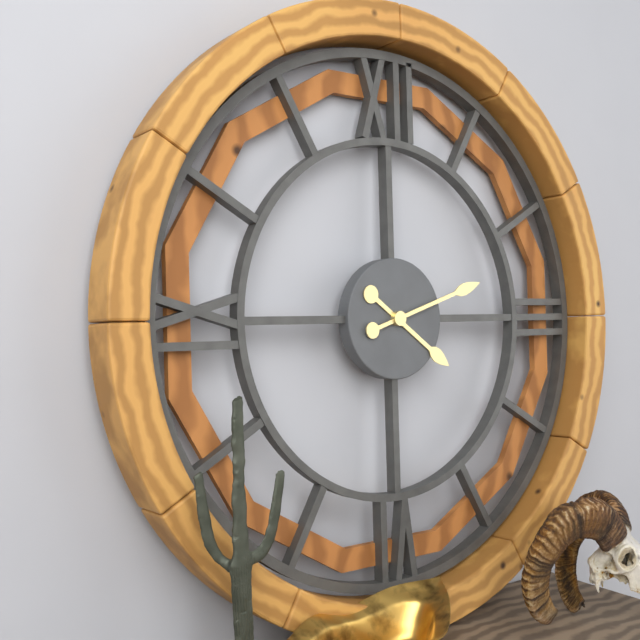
4:12
